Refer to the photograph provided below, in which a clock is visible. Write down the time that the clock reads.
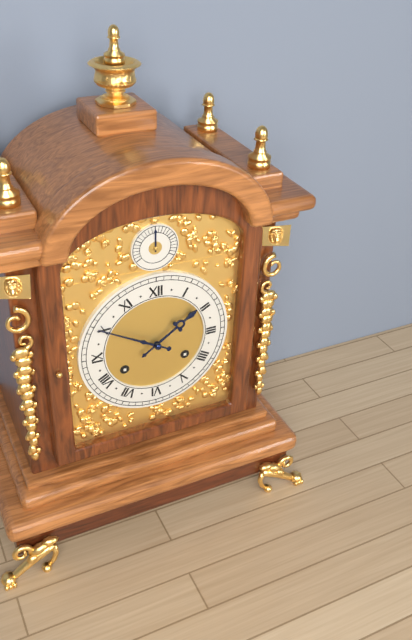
1:50
